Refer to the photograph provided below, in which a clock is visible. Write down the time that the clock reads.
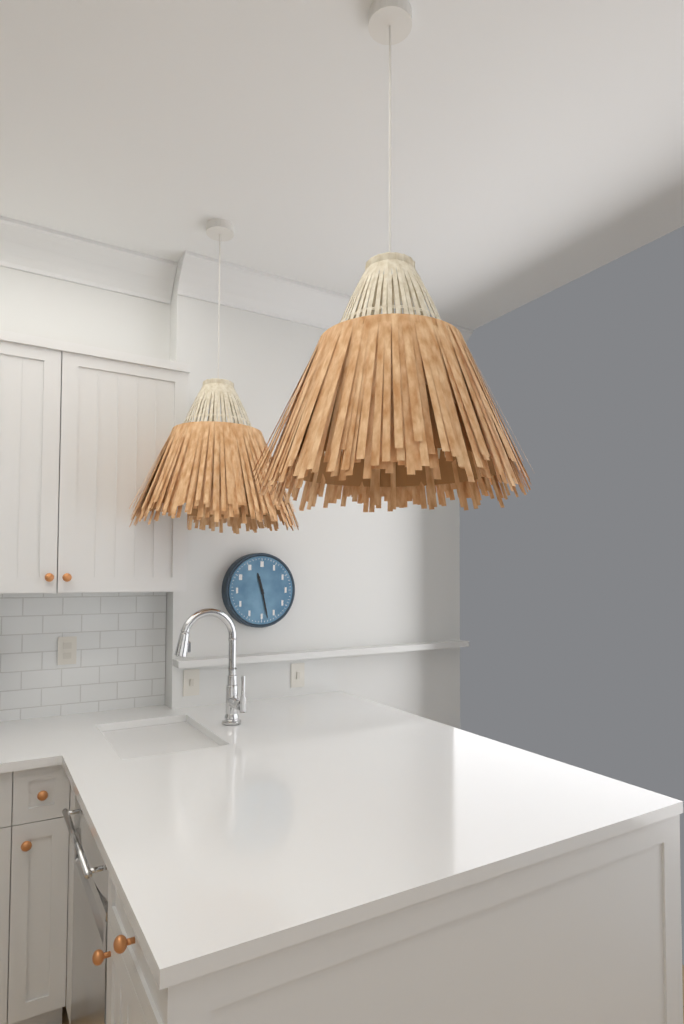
11:28
